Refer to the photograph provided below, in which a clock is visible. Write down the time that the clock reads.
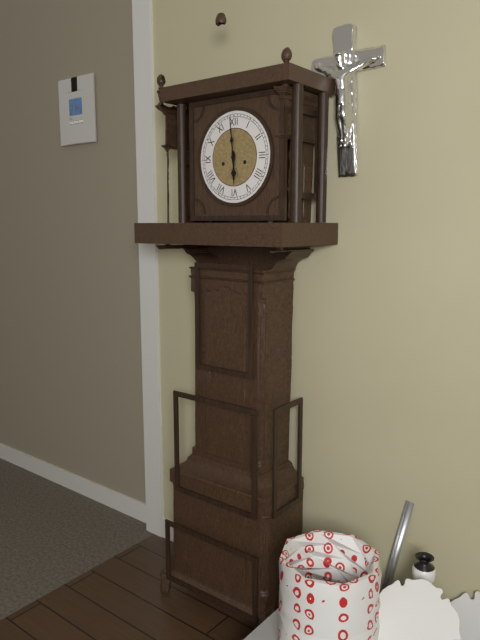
5:59
